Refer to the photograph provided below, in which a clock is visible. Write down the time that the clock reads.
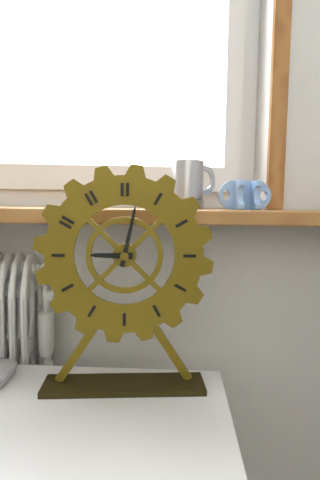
9:02
